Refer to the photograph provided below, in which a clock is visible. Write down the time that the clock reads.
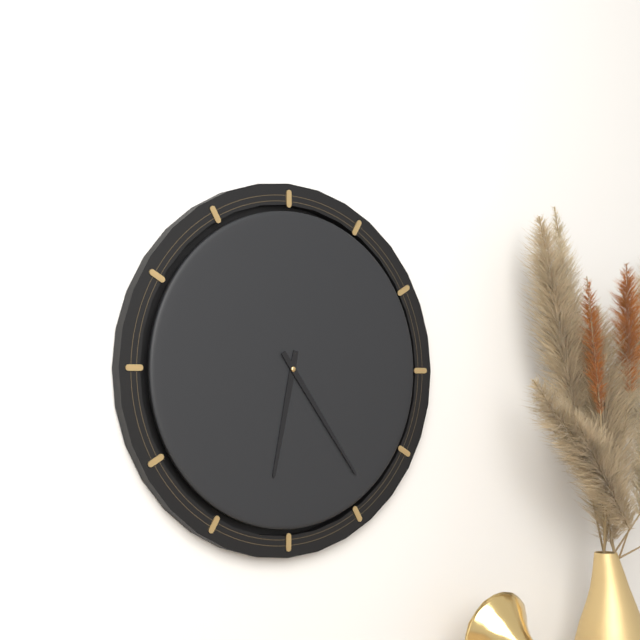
6:24
